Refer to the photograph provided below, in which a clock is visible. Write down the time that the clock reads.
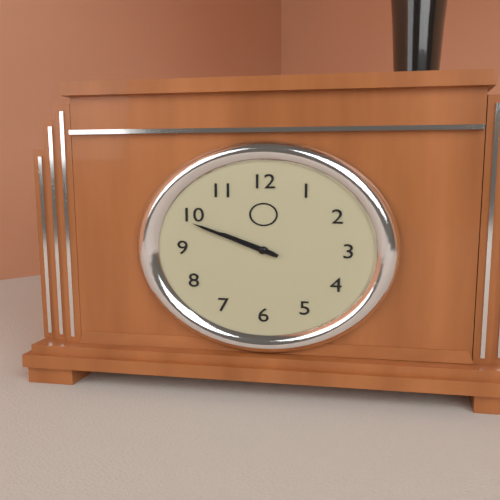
9:49
